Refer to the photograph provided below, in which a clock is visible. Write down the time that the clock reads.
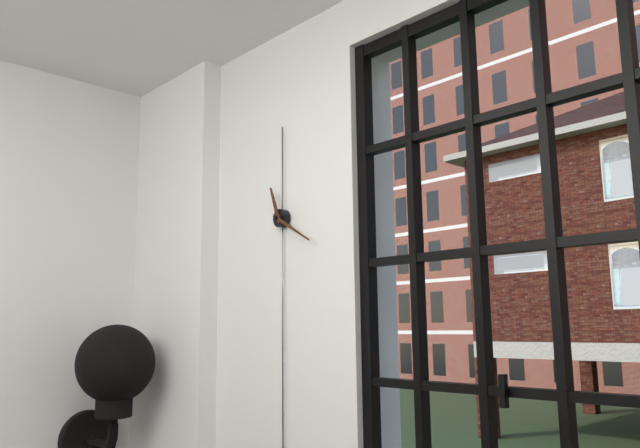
11:20
